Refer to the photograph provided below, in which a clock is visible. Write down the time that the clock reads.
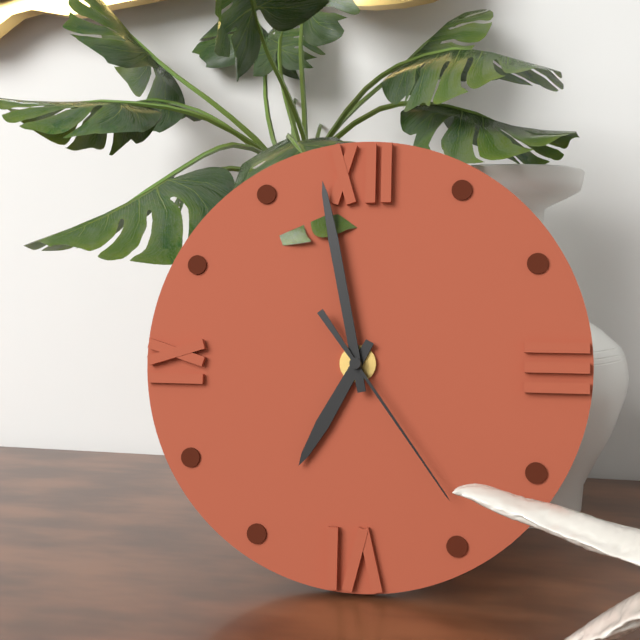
6:58:24
